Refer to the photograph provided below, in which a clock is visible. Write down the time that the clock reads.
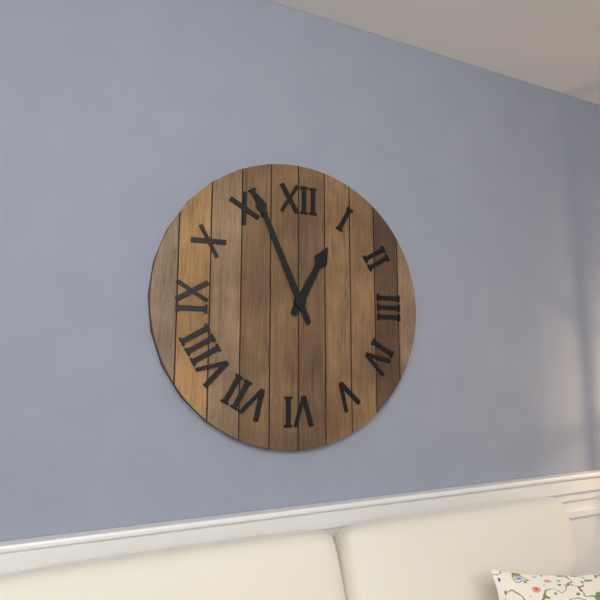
12:56
